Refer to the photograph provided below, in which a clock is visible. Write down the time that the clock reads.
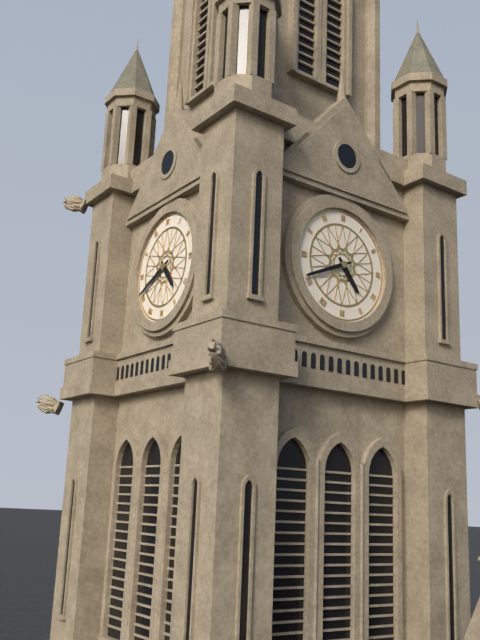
4:41
